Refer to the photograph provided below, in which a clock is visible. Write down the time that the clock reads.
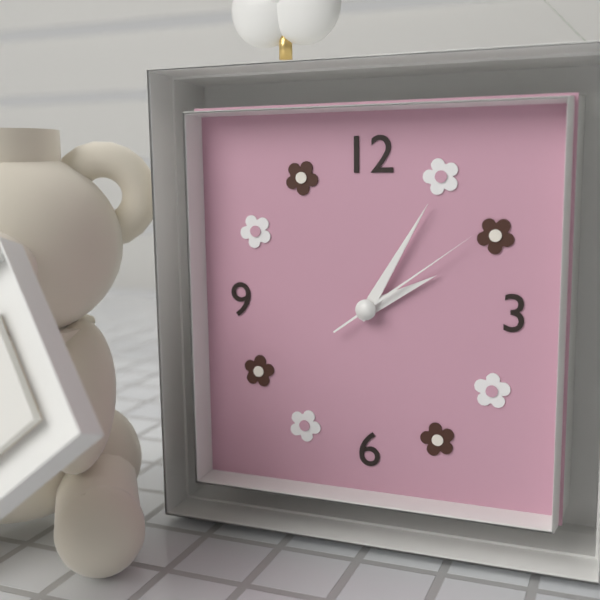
2:05:09
